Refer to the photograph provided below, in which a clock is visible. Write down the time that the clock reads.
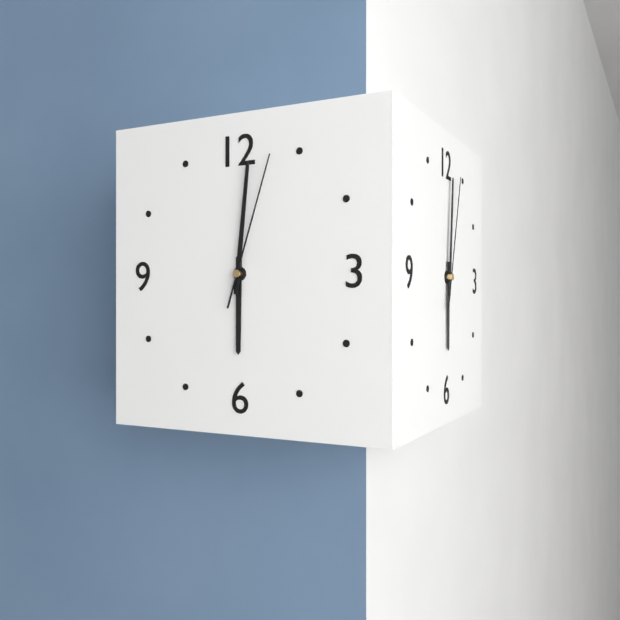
6:01:03
